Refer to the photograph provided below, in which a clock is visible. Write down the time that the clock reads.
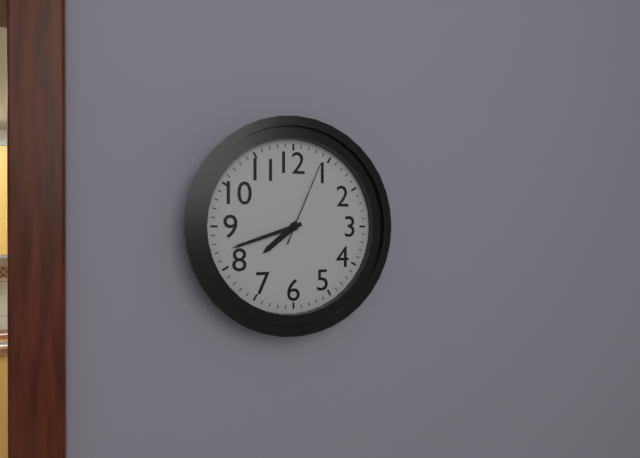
7:42:04
